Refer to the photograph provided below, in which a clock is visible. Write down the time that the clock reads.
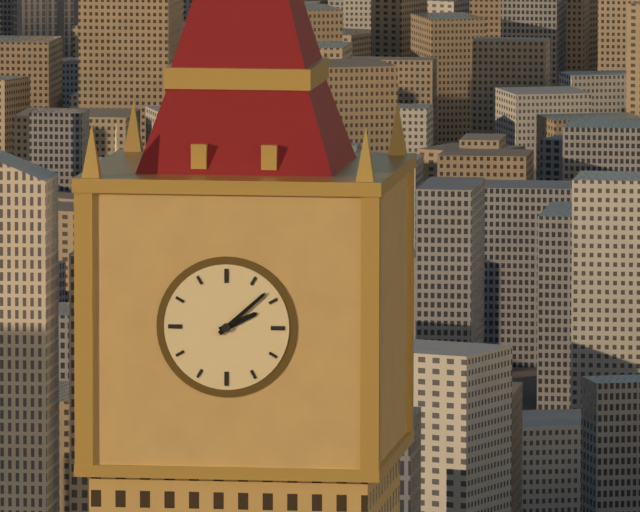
2:08
